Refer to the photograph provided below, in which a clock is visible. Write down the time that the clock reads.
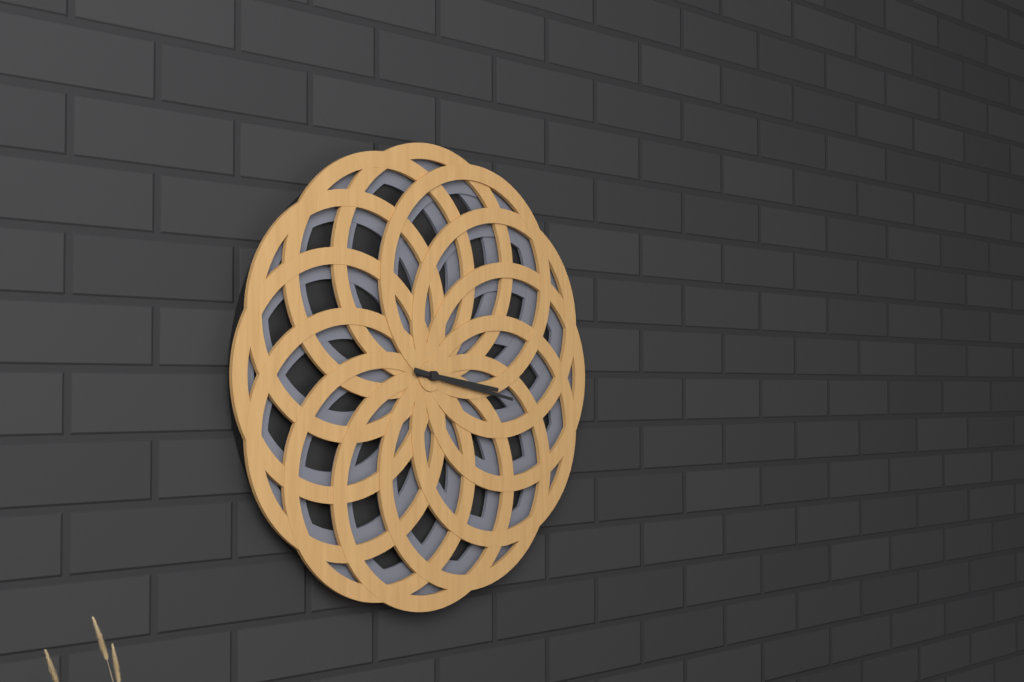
3:17
